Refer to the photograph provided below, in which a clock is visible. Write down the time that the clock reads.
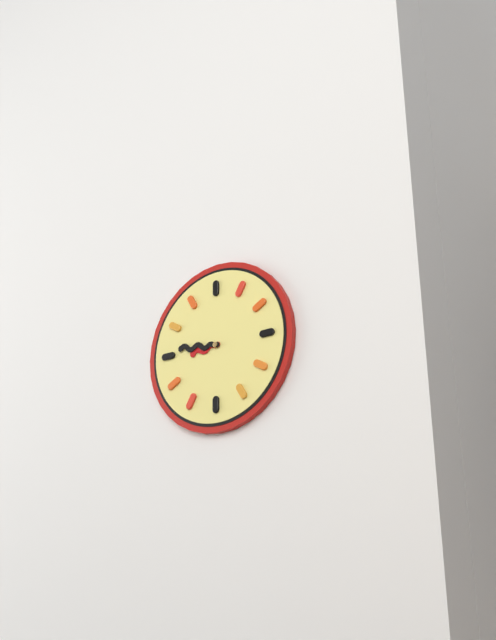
8:46
